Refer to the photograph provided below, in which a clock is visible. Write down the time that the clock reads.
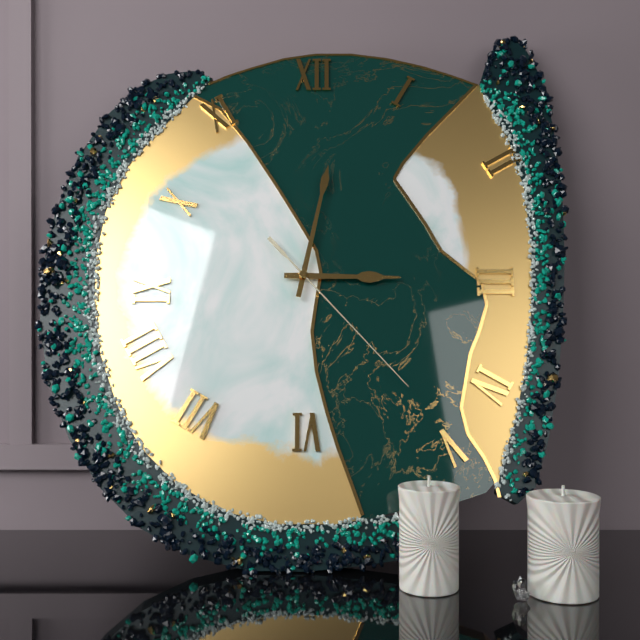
3:02:23
